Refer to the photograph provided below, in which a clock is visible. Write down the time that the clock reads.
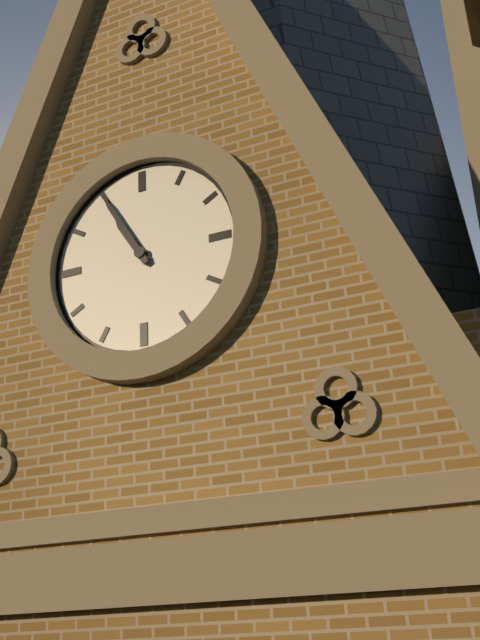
10:55
